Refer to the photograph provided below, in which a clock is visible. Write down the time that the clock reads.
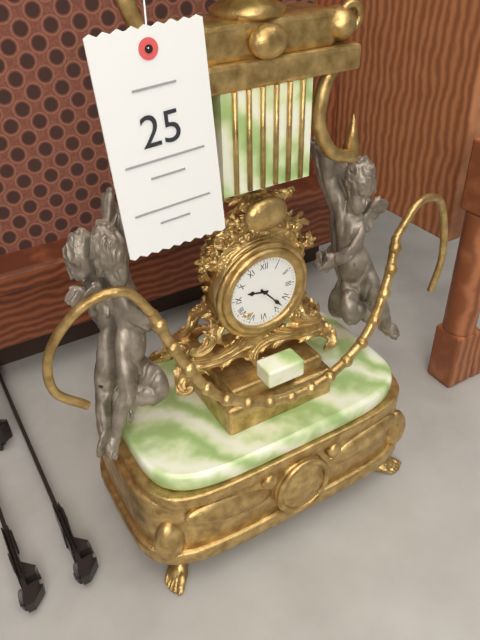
9:23
